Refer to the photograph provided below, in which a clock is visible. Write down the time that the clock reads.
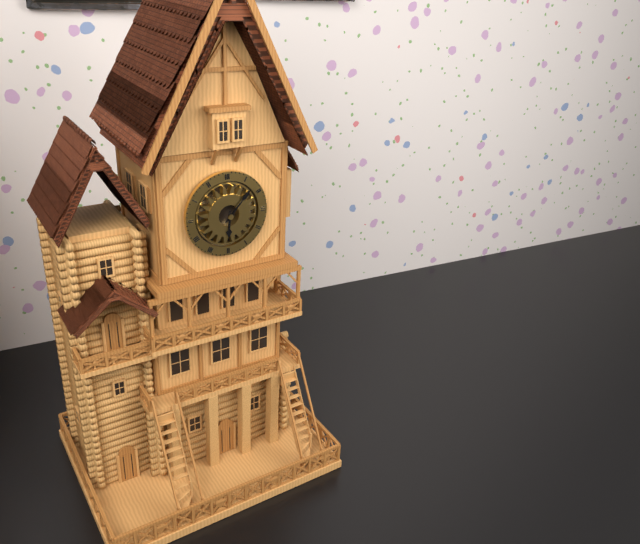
6:07
